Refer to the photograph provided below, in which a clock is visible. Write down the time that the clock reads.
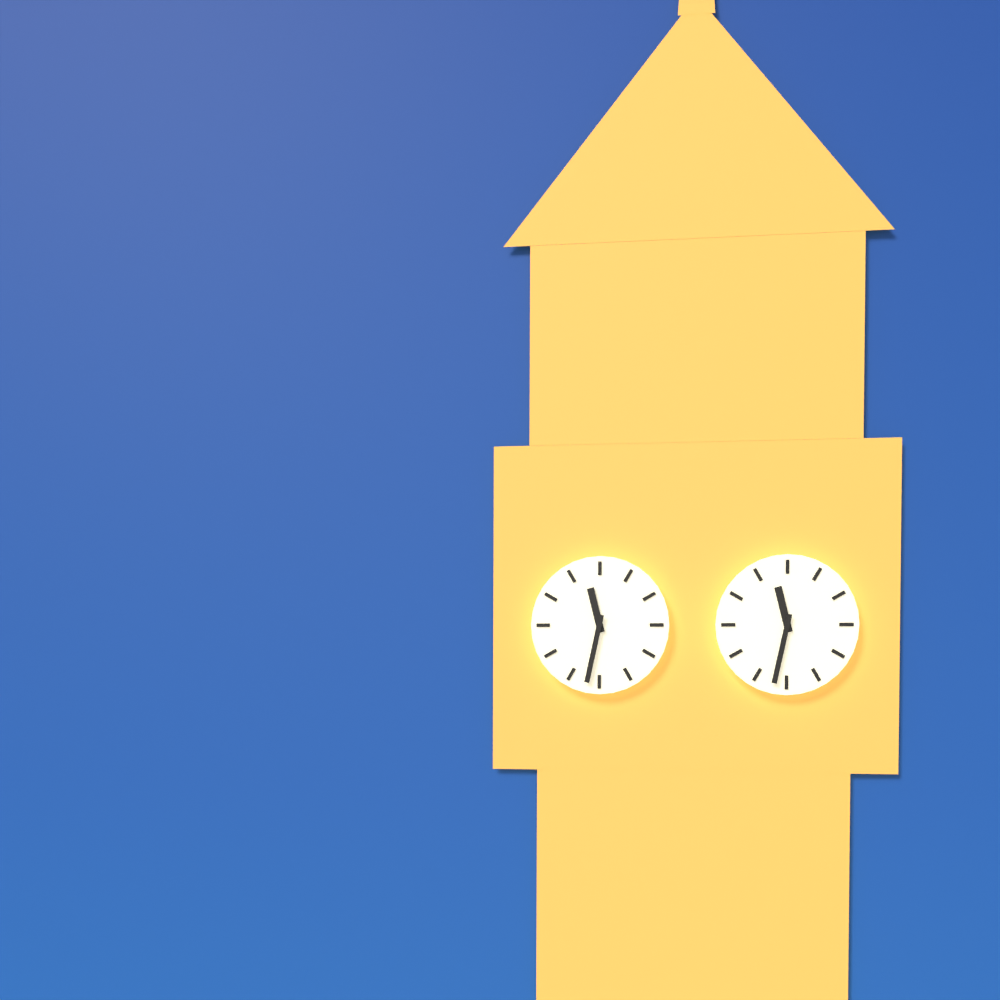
11:32
